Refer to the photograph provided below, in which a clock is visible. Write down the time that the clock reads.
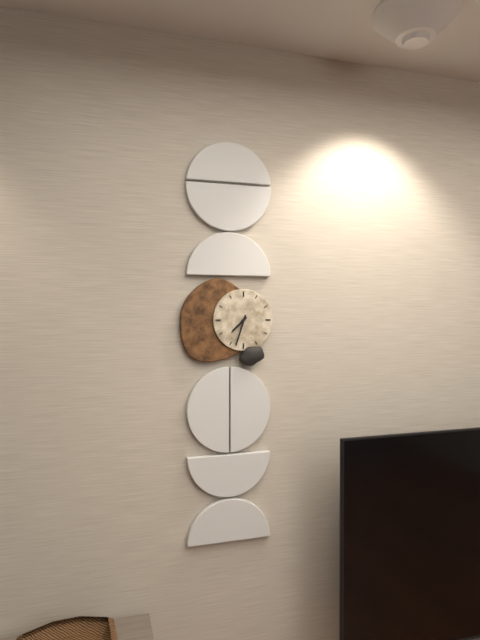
7:33
